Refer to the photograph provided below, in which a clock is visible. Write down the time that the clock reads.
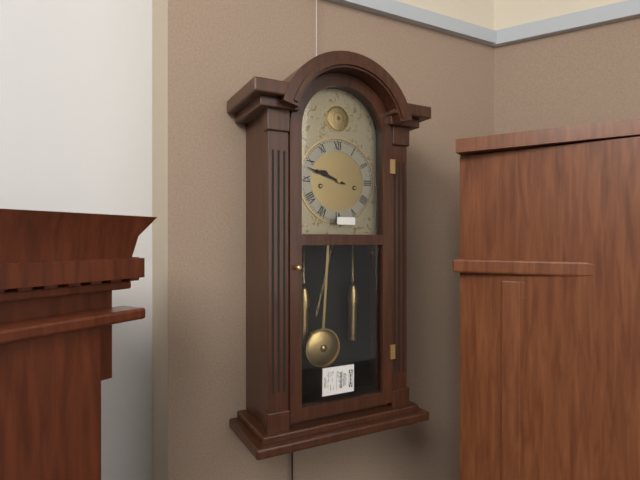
9:48
